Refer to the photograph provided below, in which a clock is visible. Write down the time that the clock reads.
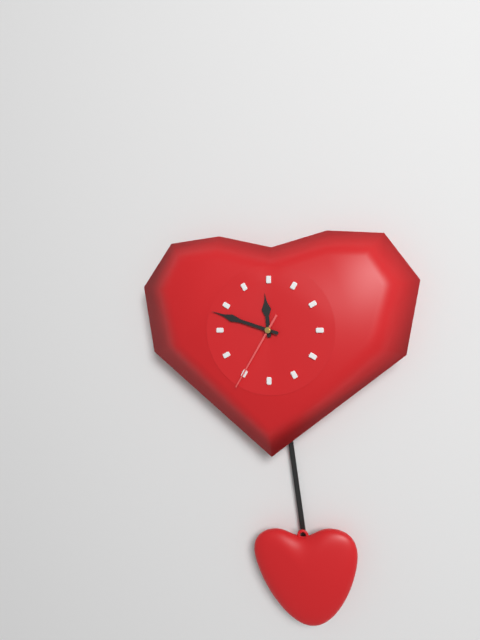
11:48:35
